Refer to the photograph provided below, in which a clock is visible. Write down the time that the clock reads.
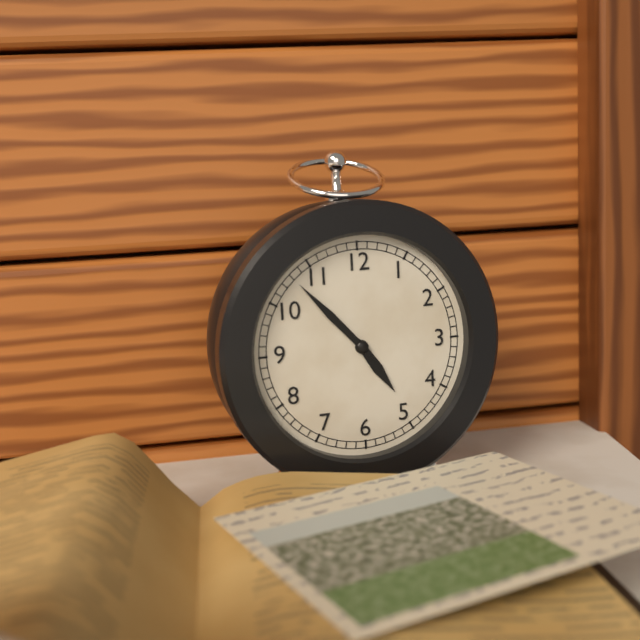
4:53
